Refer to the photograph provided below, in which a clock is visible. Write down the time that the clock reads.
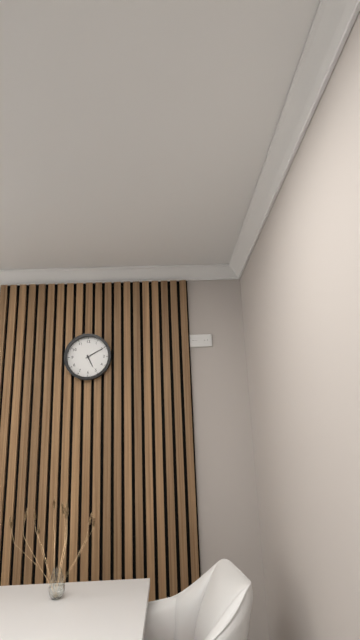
5:10
